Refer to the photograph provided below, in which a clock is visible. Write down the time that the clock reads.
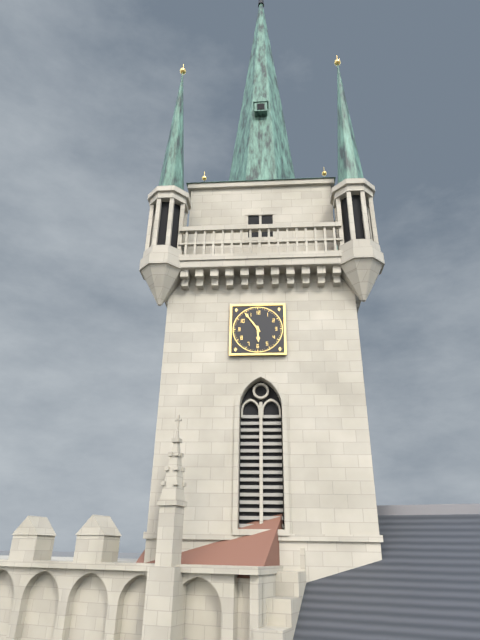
5:54
